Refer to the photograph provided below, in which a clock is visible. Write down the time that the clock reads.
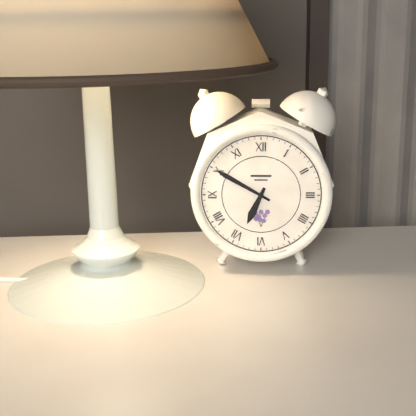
6:50
